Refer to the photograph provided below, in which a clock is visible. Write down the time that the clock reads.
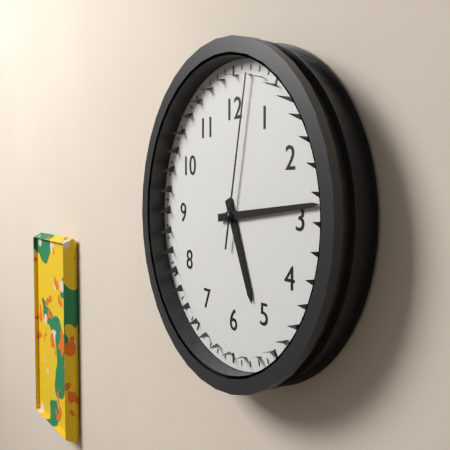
5:14:02
